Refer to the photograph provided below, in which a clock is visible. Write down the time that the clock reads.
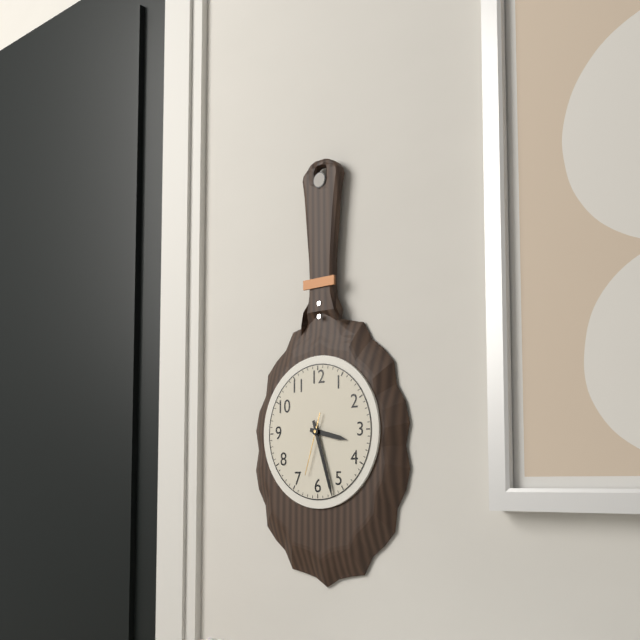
3:27:33
